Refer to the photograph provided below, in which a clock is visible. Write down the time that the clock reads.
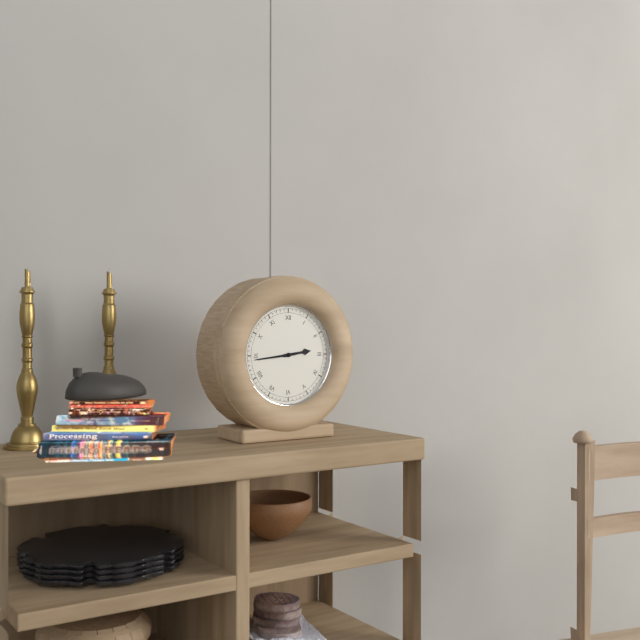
2:44
